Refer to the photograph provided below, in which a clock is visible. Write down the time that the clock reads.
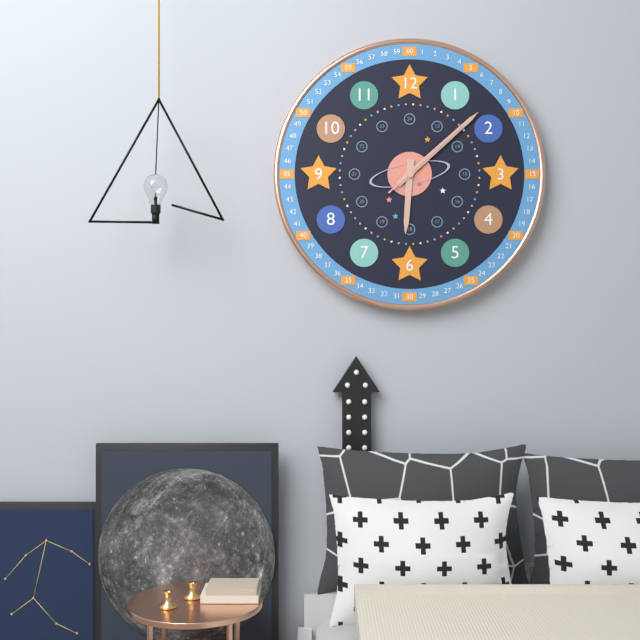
6:08:08
